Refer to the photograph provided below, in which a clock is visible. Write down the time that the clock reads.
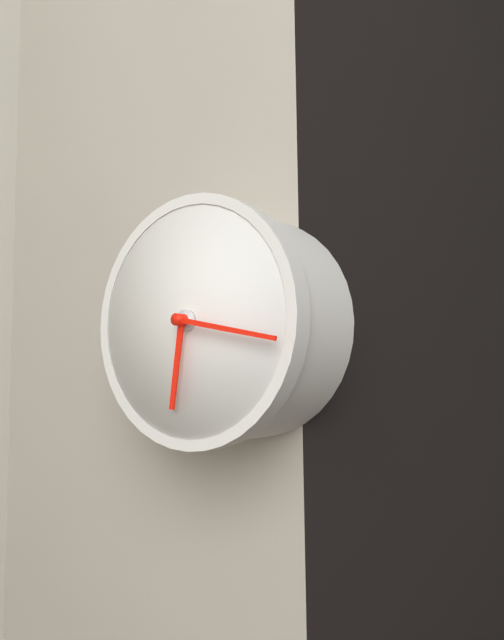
6:17
